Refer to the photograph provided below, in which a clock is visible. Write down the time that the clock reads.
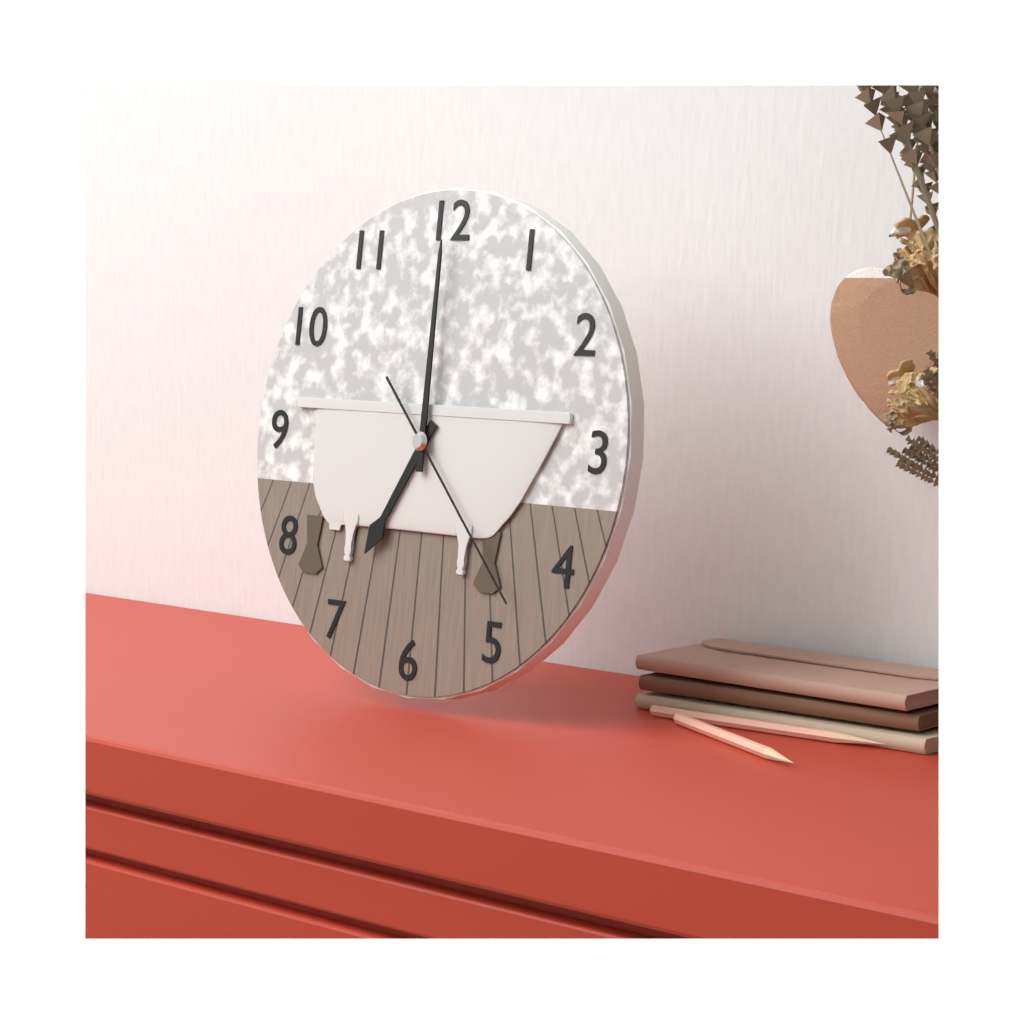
7:00:23
